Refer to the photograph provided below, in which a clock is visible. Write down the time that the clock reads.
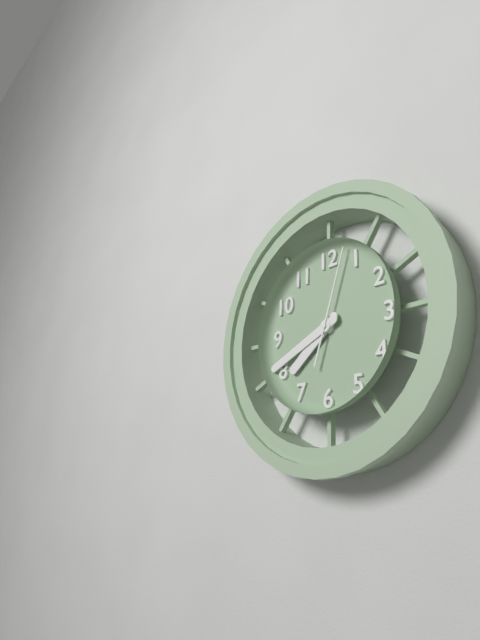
7:41:03
